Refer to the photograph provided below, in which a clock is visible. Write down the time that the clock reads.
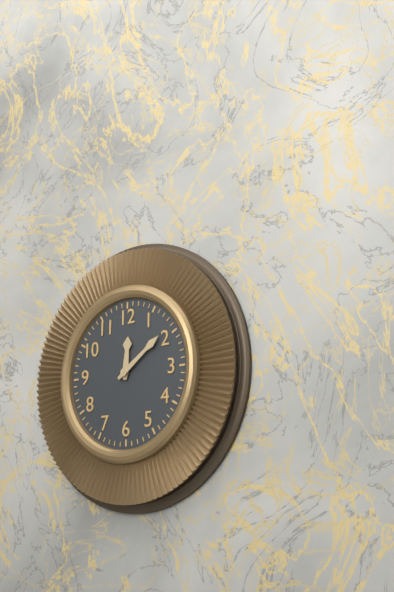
12:09
